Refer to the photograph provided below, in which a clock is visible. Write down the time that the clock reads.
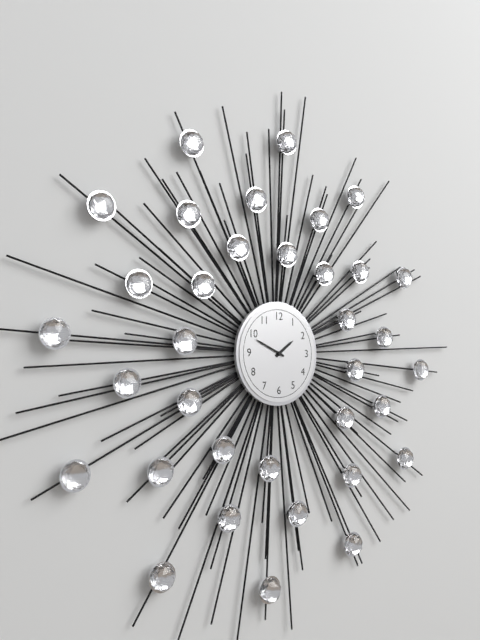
1:49
